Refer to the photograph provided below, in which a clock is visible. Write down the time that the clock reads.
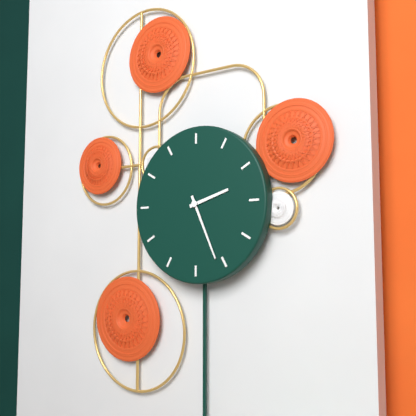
2:26
